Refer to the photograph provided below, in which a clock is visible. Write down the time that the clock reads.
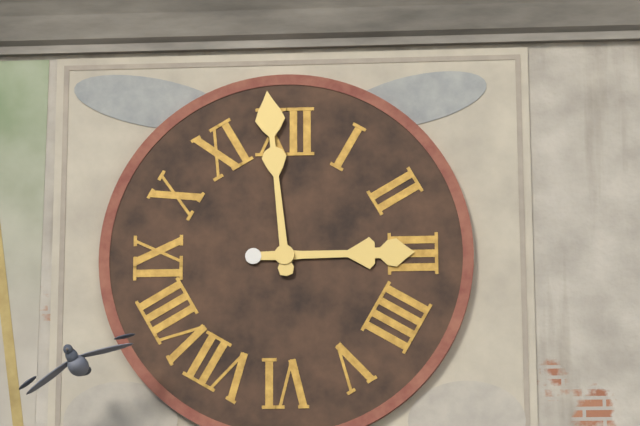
2:59
